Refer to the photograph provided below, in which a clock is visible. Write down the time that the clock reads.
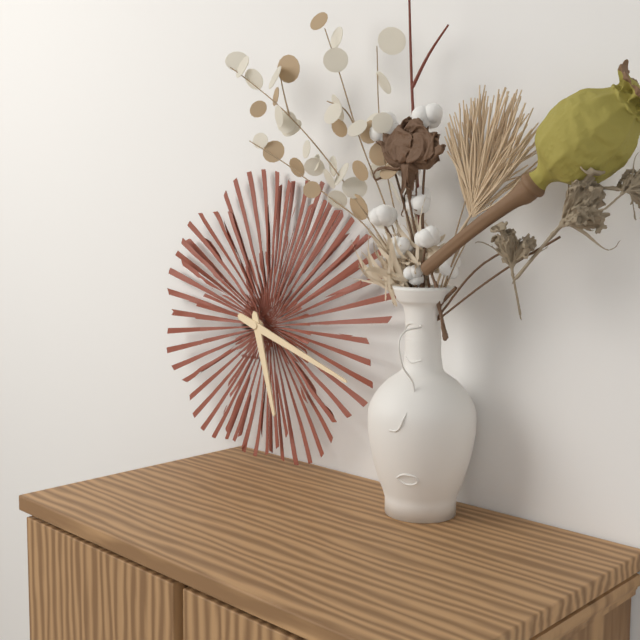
5:18
